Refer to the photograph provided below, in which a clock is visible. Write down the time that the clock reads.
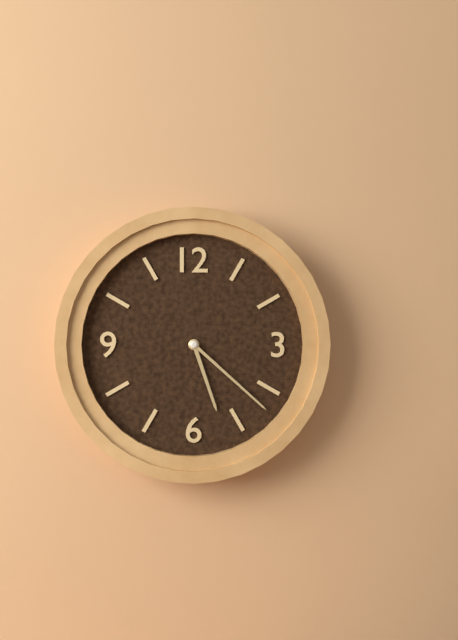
5:22
